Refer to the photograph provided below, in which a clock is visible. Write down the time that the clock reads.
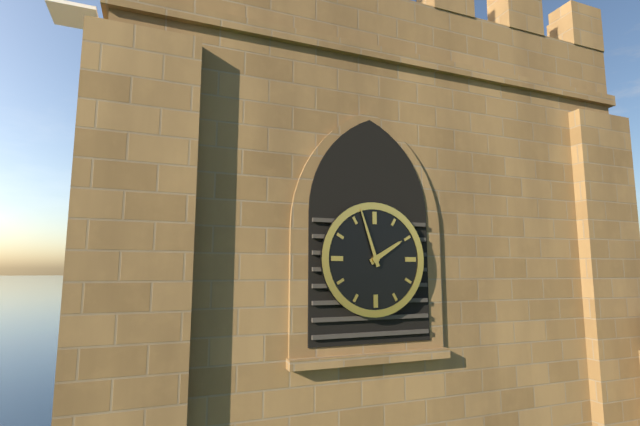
1:57
